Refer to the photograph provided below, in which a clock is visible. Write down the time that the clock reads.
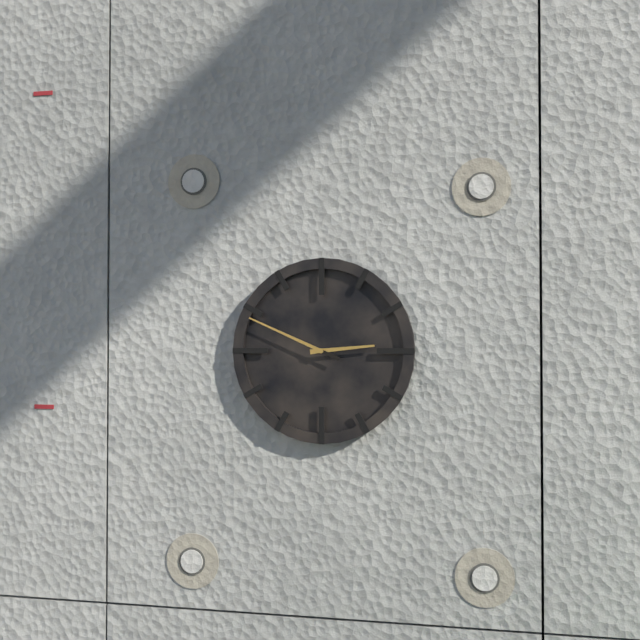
2:49
